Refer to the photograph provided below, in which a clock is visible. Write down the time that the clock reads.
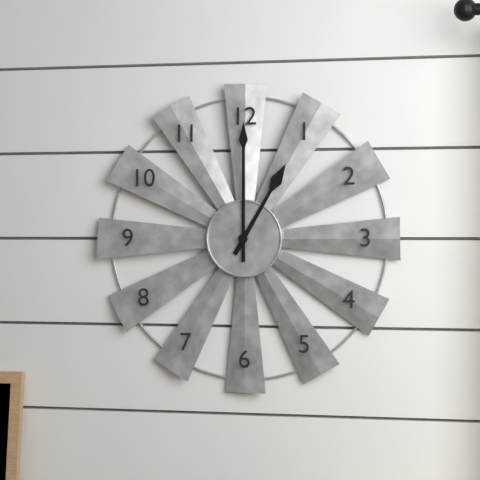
1:00
